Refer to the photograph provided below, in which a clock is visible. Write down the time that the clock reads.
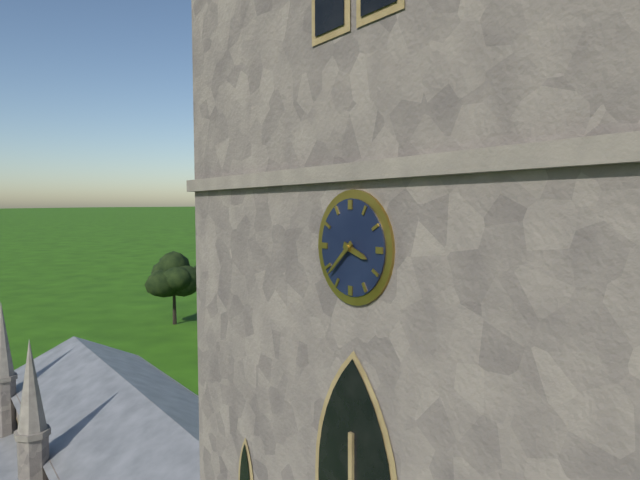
3:38
